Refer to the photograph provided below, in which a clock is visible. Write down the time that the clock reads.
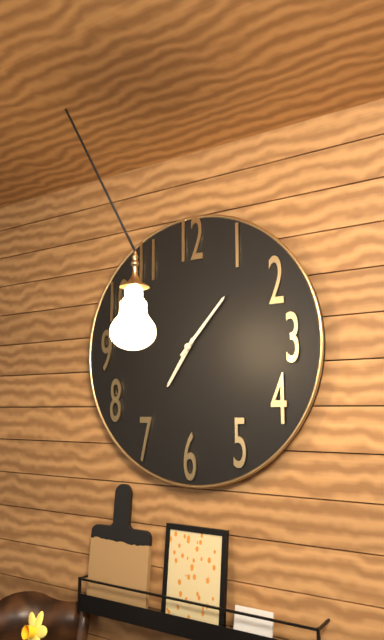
7:07
